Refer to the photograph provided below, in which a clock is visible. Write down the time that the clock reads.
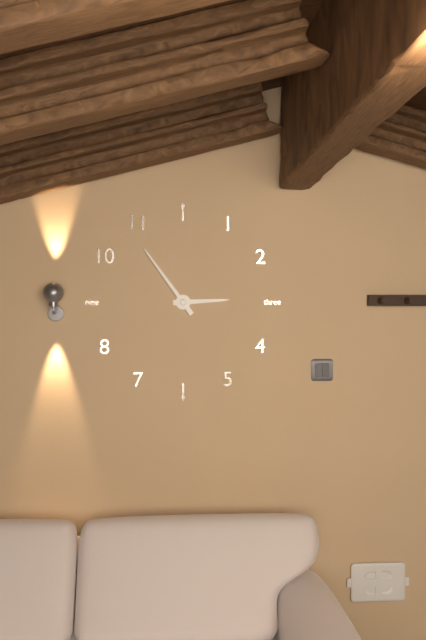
2:54
